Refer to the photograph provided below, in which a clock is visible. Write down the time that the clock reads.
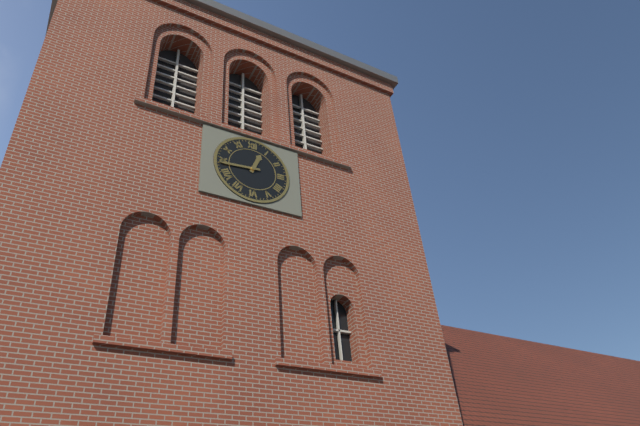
12:44
